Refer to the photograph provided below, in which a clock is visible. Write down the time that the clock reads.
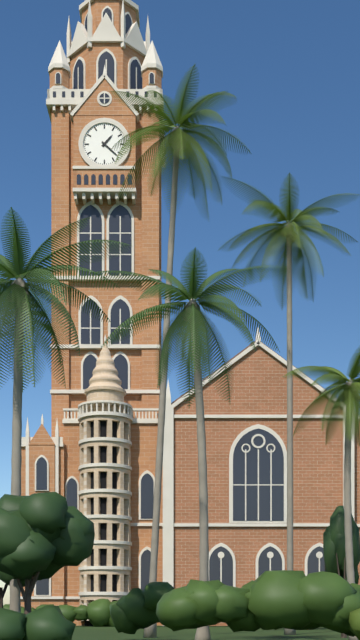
1:22
